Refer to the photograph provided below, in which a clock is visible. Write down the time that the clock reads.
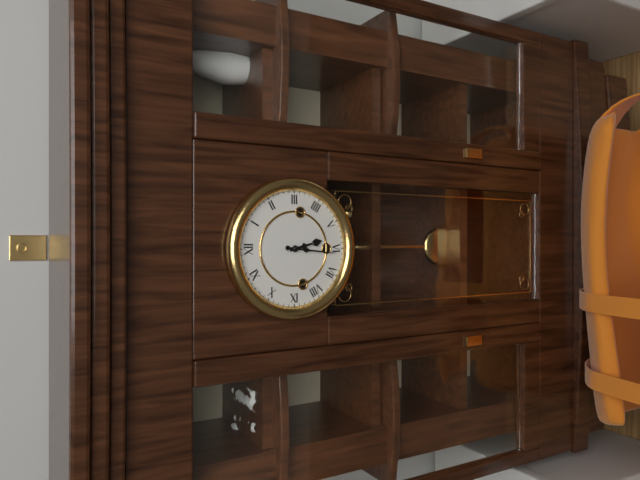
5:31
